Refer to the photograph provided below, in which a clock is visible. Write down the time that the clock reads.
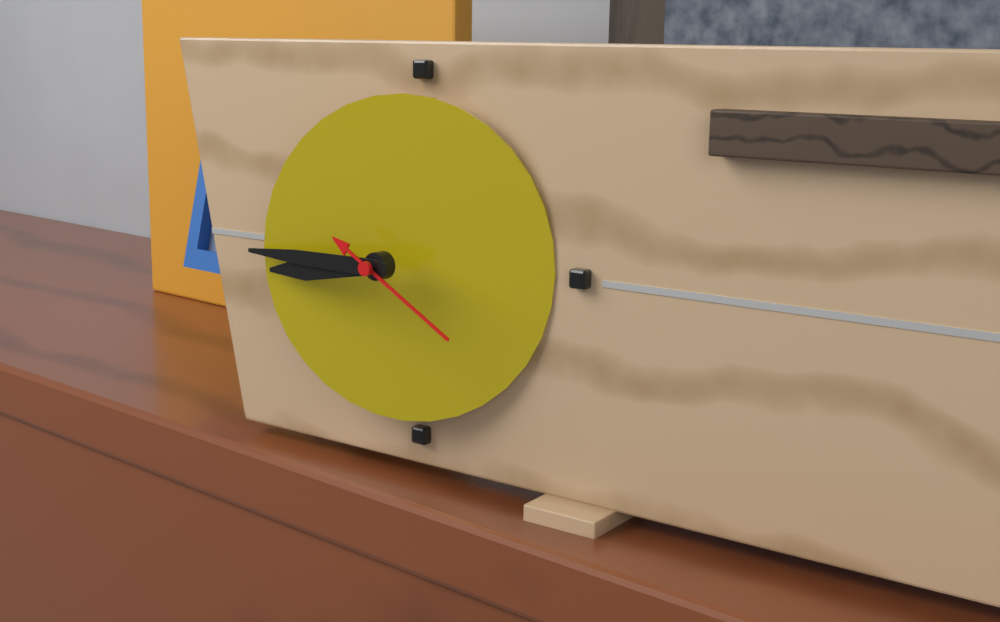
8:45:20
